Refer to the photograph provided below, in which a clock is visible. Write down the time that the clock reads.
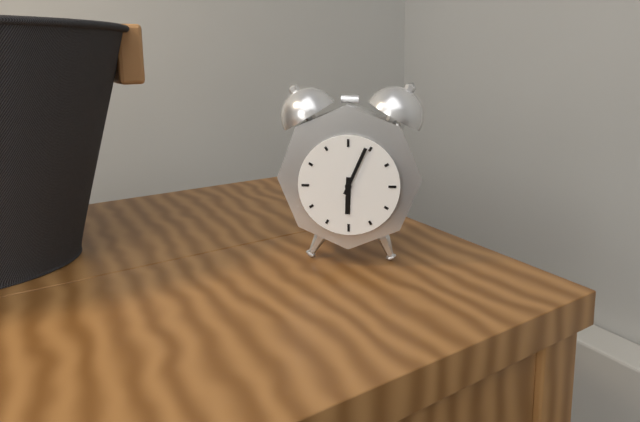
6:04
